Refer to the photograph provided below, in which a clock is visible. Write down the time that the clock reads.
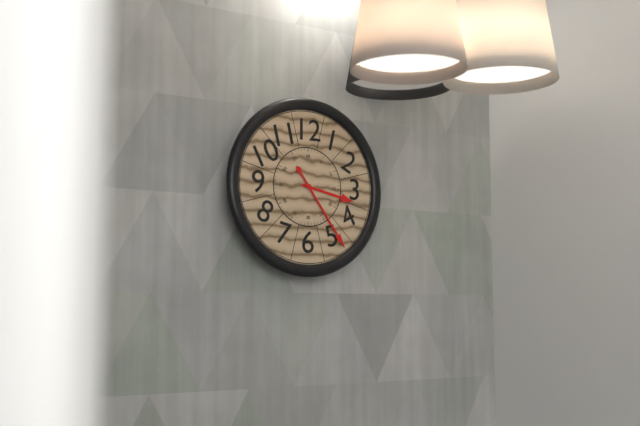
3:24
